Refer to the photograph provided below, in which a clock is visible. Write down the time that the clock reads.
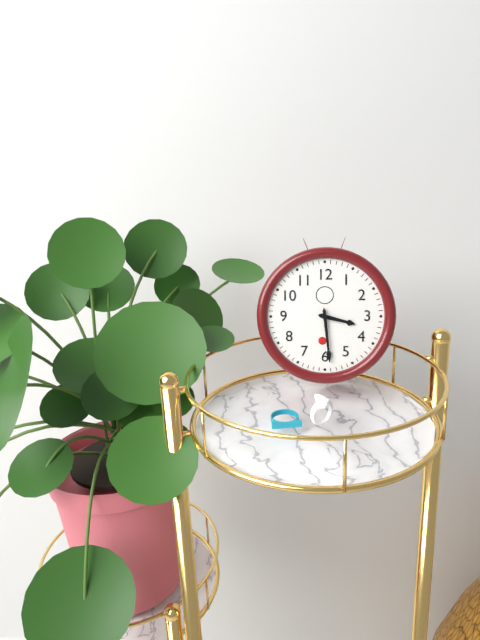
3:29
